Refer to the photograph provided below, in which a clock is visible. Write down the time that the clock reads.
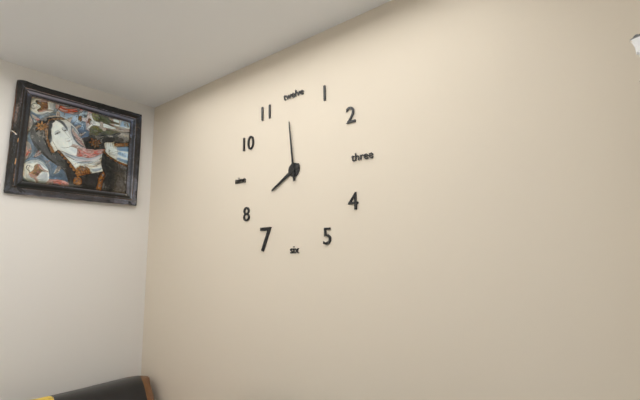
7:59
